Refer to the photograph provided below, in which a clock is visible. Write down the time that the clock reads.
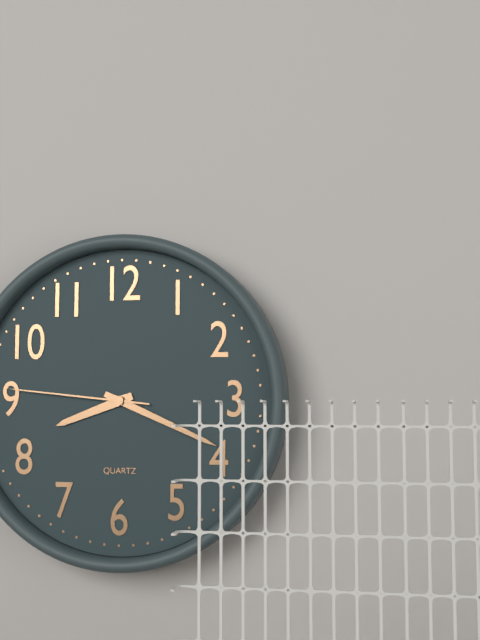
8:19:46
